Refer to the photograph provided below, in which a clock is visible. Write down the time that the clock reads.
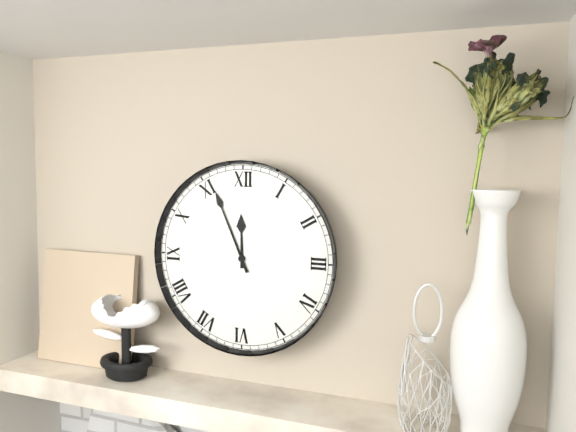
11:56
